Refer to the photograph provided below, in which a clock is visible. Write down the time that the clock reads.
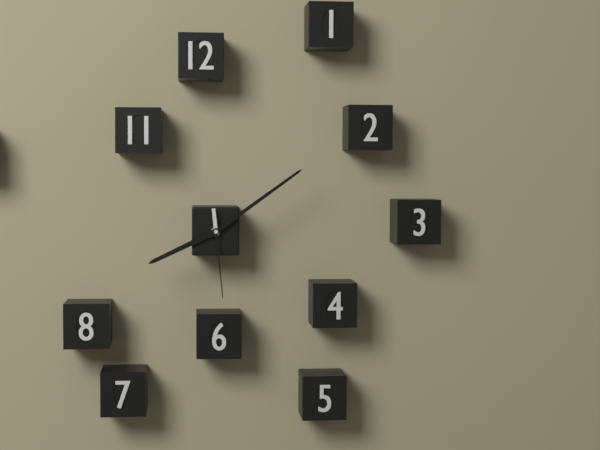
8:09:29
